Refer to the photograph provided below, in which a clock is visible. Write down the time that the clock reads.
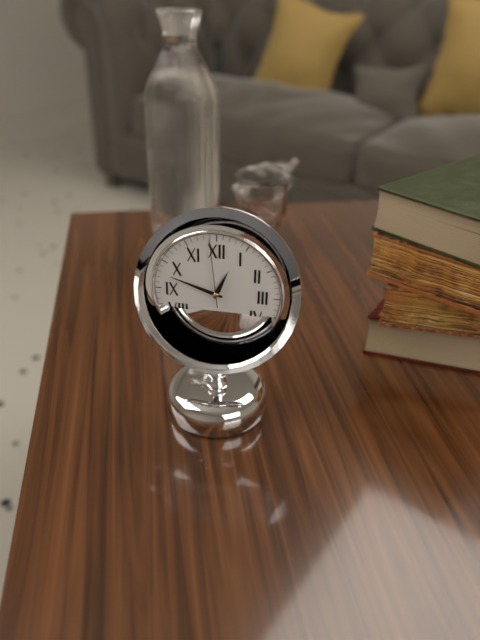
12:48:59
